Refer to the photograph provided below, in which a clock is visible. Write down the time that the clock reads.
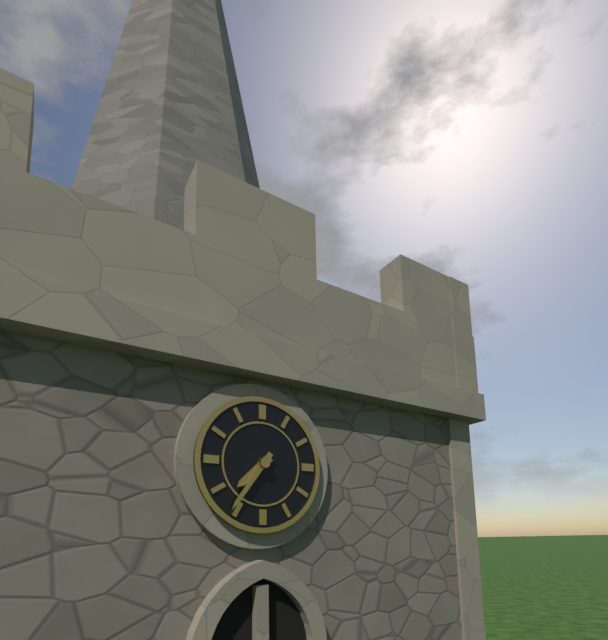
7:36
